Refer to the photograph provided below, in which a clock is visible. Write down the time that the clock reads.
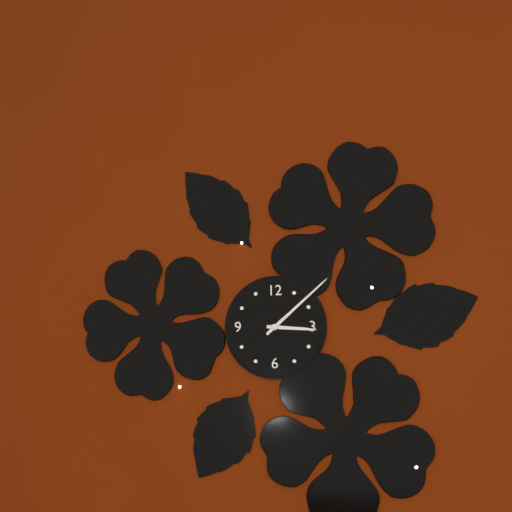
3:08
